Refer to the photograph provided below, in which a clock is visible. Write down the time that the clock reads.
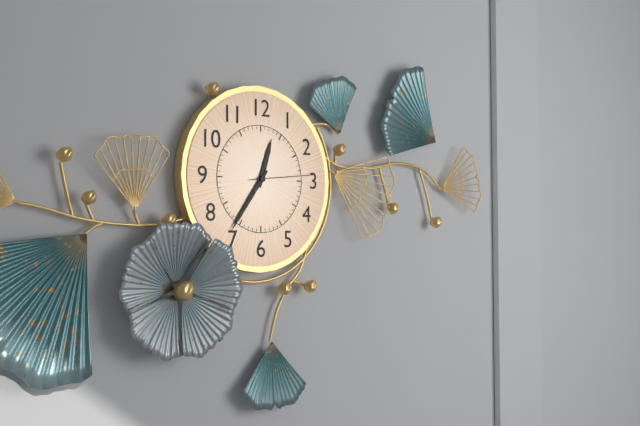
12:36:14
